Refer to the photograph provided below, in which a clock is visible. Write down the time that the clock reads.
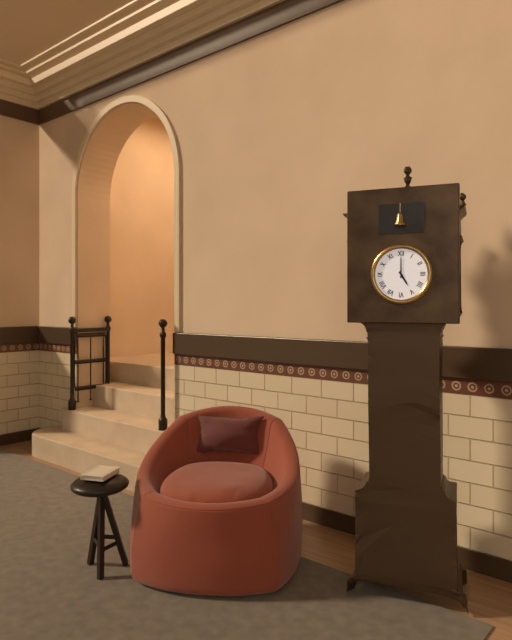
5:00
